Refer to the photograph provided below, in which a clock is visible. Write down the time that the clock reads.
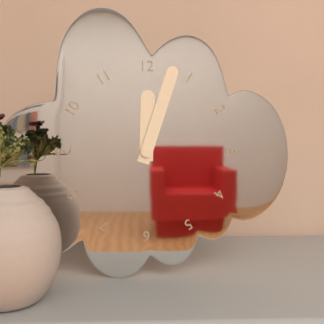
12:03
